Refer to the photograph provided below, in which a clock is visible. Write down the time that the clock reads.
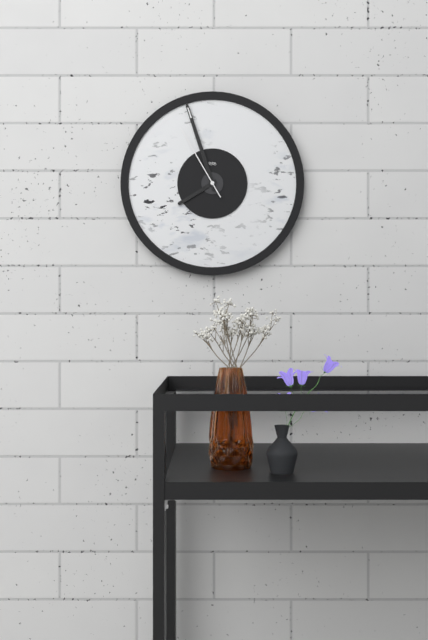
7:57:55
